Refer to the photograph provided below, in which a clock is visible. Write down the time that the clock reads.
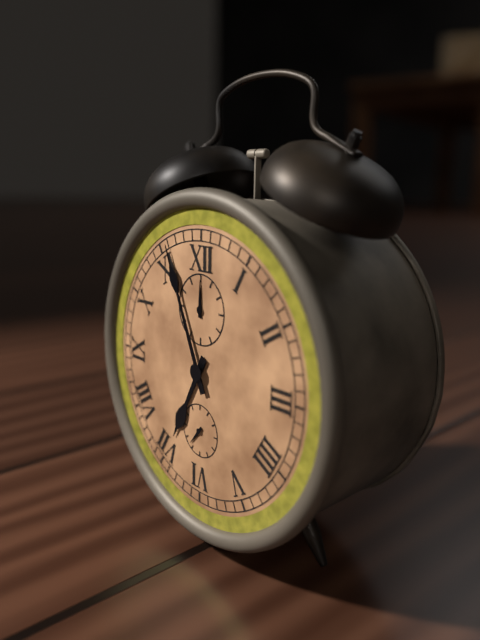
6:56
